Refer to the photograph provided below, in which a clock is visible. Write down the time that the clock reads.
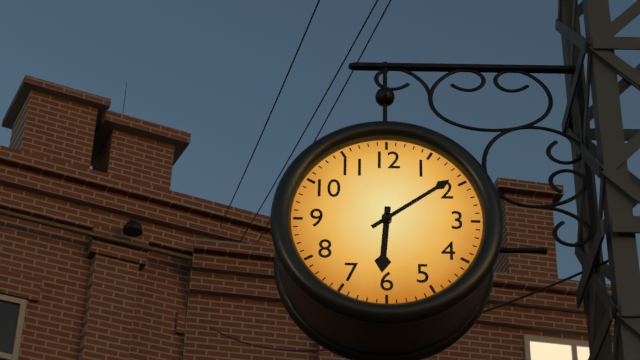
6:09
